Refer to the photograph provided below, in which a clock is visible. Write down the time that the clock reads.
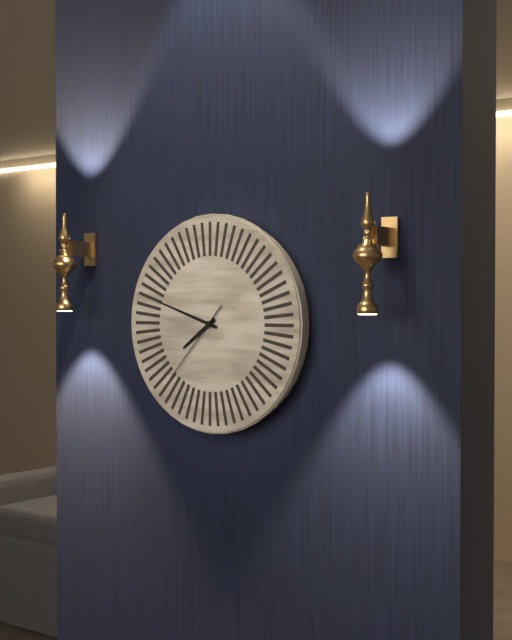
7:48:37
